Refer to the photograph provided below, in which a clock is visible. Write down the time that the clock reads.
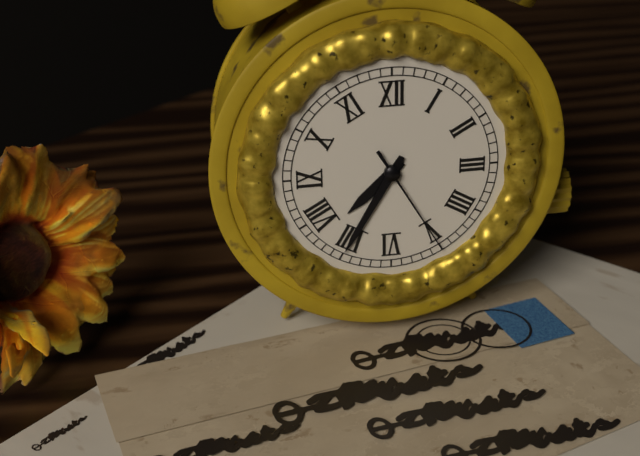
7:35:25
